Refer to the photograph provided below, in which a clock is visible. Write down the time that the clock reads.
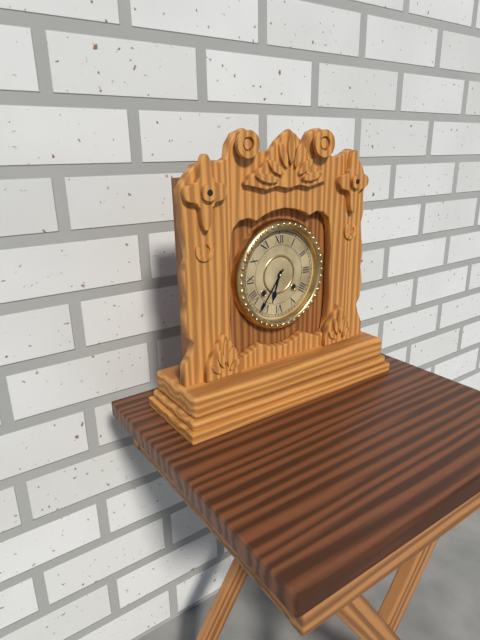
6:36
